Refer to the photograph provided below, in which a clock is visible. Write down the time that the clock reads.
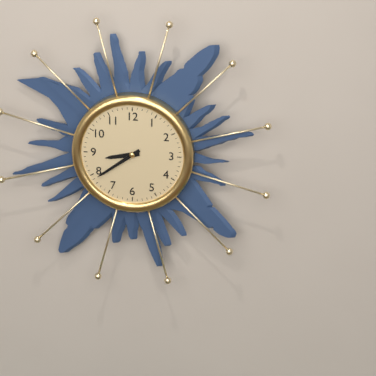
8:39
